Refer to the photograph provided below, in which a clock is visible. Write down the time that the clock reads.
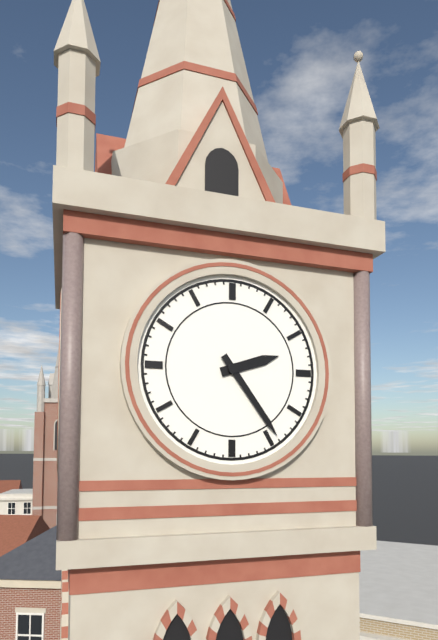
2:24
